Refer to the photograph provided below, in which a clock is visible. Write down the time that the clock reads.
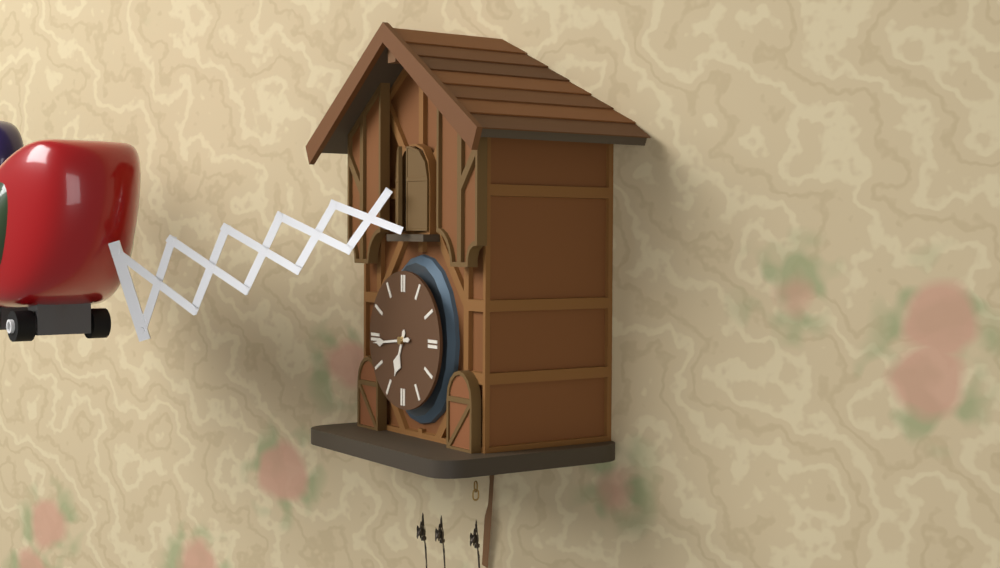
6:44
